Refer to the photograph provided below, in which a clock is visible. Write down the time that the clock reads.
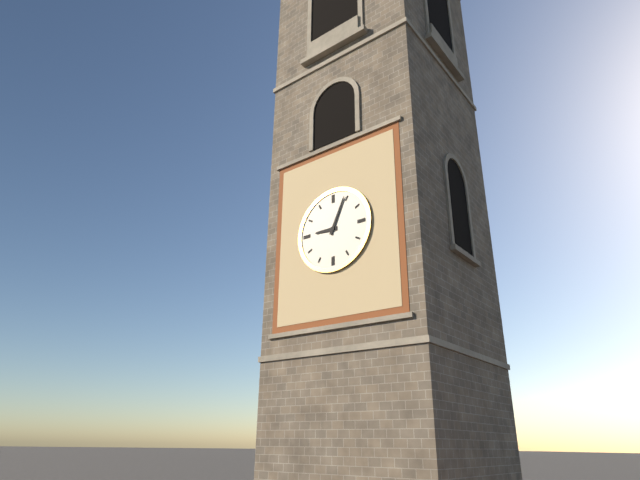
9:04
